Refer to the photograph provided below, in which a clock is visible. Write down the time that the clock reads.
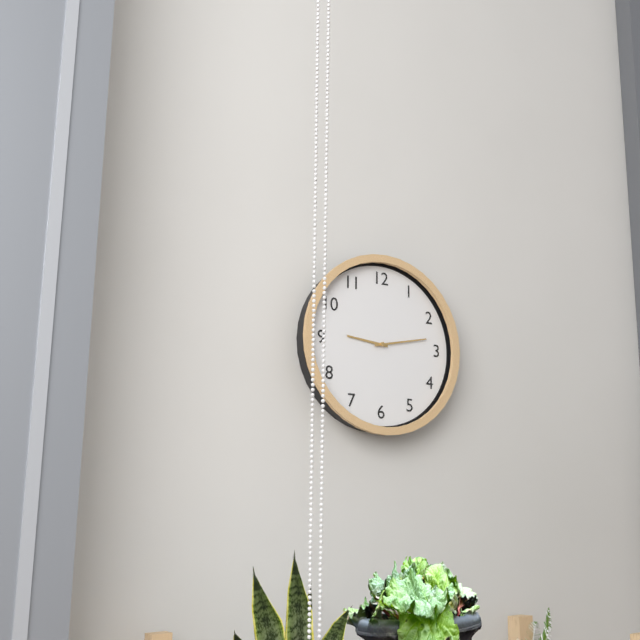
9:13
